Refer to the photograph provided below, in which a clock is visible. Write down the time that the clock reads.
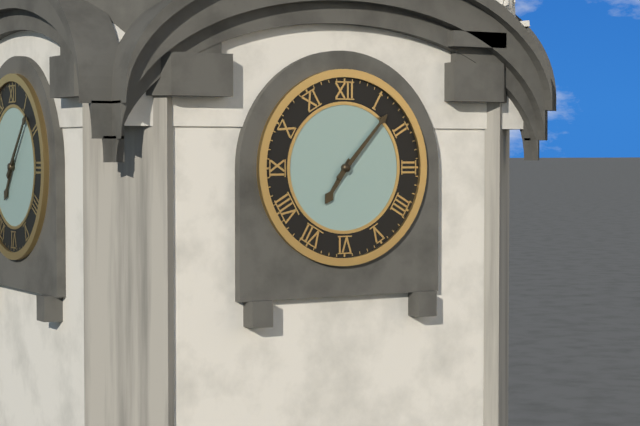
7:07
